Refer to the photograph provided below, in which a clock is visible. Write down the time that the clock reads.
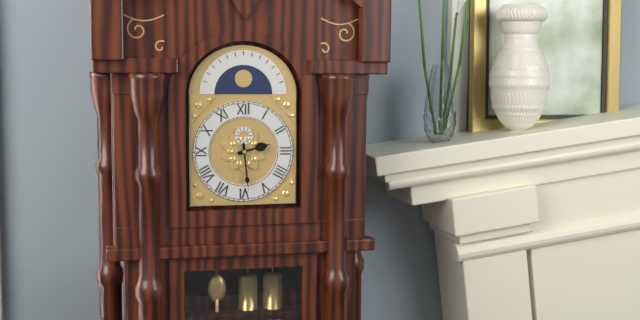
2:29
